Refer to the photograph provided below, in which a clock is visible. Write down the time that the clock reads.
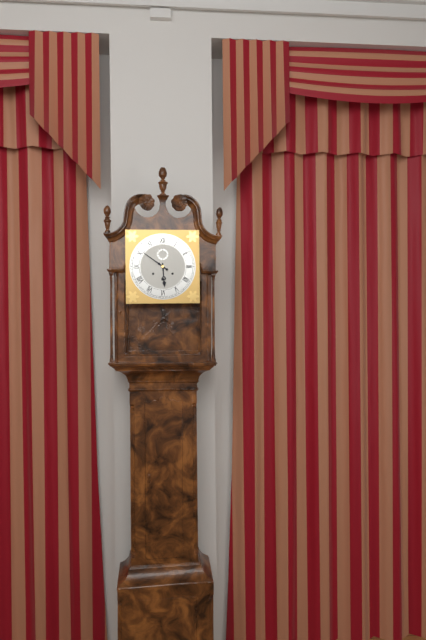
5:51
